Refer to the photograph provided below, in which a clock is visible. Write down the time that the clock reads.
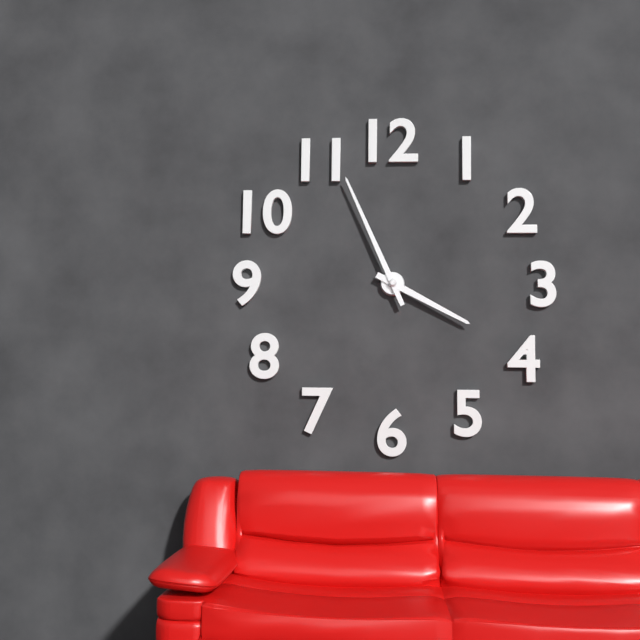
3:56
